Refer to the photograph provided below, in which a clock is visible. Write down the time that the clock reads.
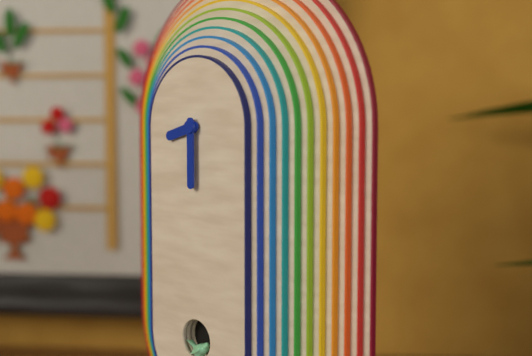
8:30
